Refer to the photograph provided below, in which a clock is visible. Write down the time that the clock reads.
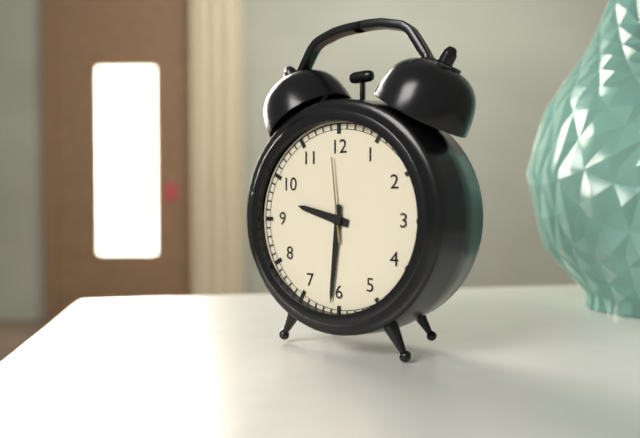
9:31:59
